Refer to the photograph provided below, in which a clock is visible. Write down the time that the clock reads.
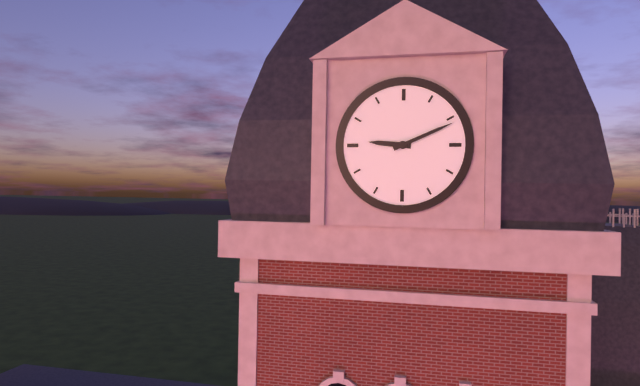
9:11
